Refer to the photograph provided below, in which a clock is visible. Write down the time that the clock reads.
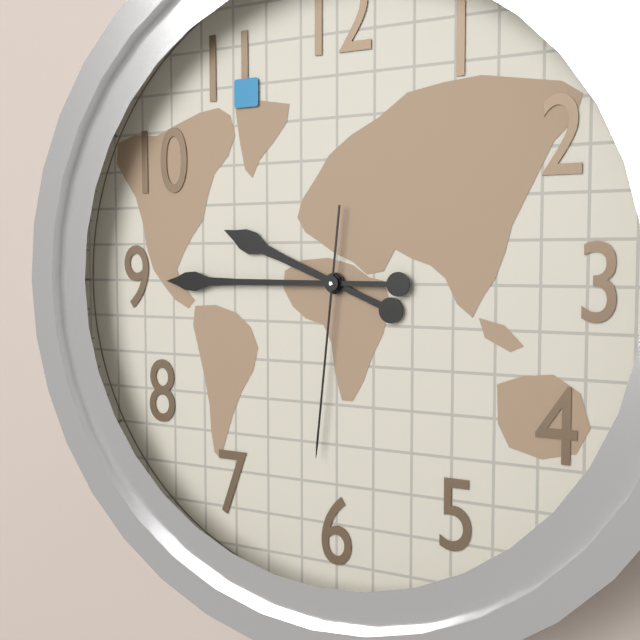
9:45:31
